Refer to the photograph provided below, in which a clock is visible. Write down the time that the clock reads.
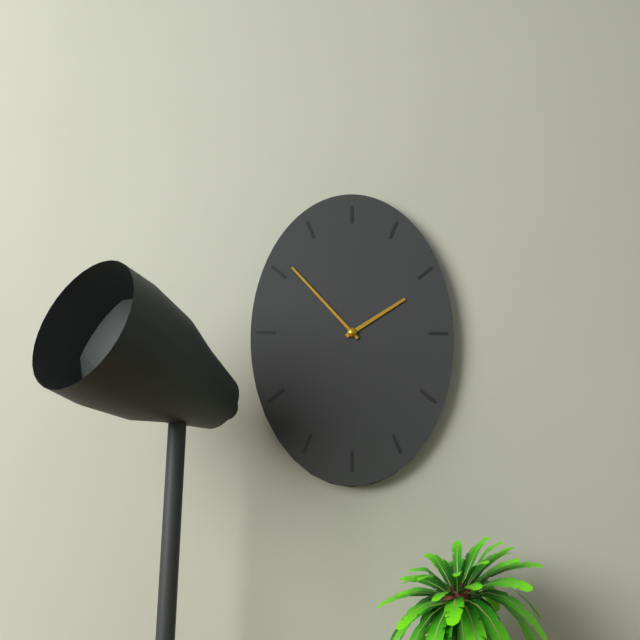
1:53
